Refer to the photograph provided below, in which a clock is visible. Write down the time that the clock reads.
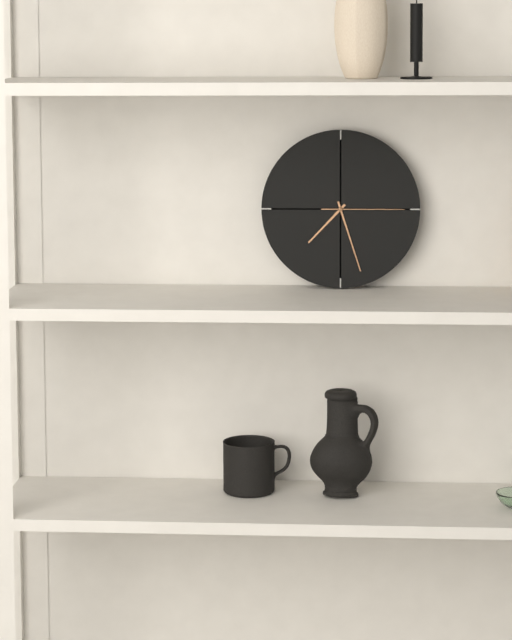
7:27:15
